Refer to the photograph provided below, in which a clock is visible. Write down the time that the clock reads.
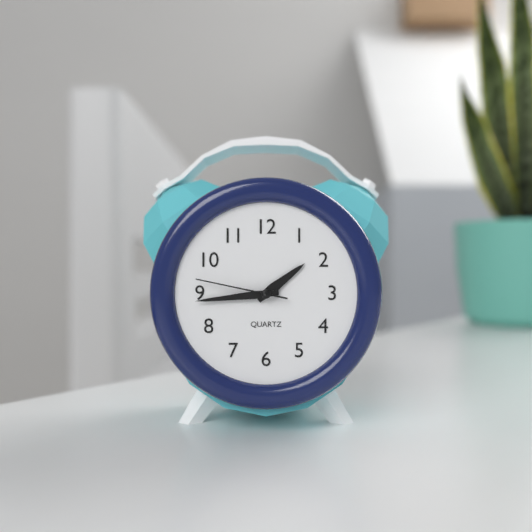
1:44:47
